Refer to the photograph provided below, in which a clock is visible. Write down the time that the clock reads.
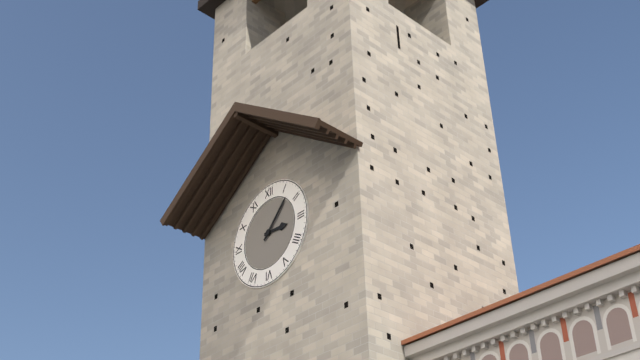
3:07
